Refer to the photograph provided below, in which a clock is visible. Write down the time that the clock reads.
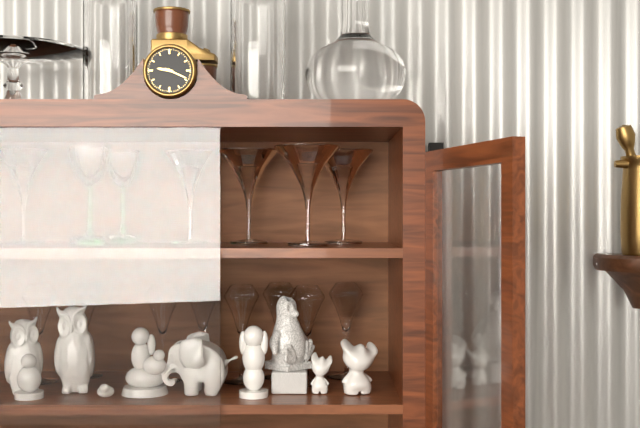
9:19
